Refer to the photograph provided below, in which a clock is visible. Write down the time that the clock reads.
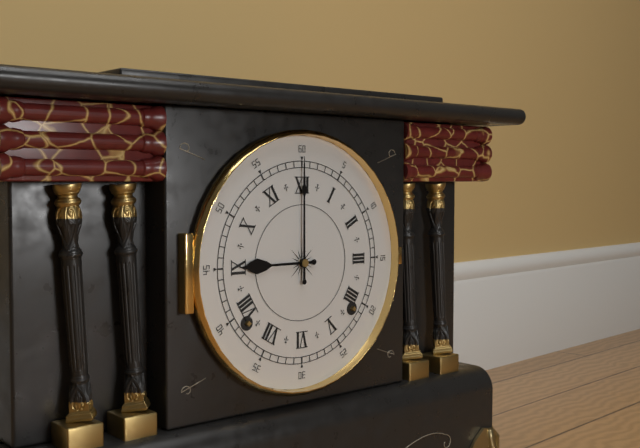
9:00
